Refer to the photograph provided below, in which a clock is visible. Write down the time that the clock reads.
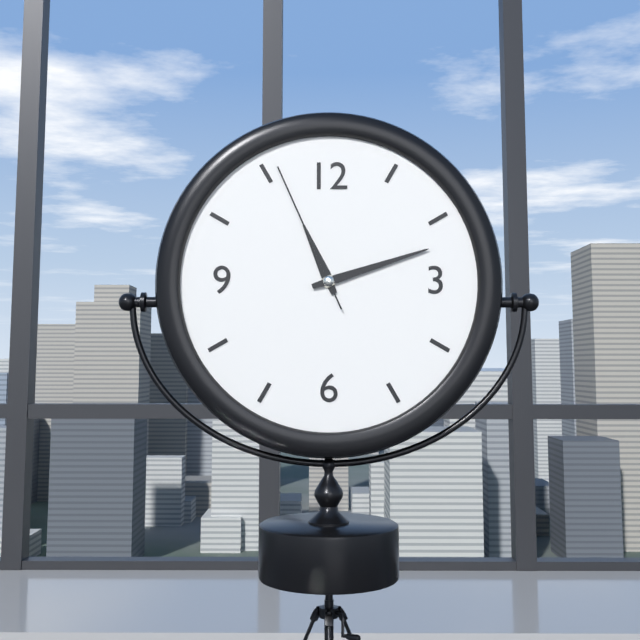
11:12:56
